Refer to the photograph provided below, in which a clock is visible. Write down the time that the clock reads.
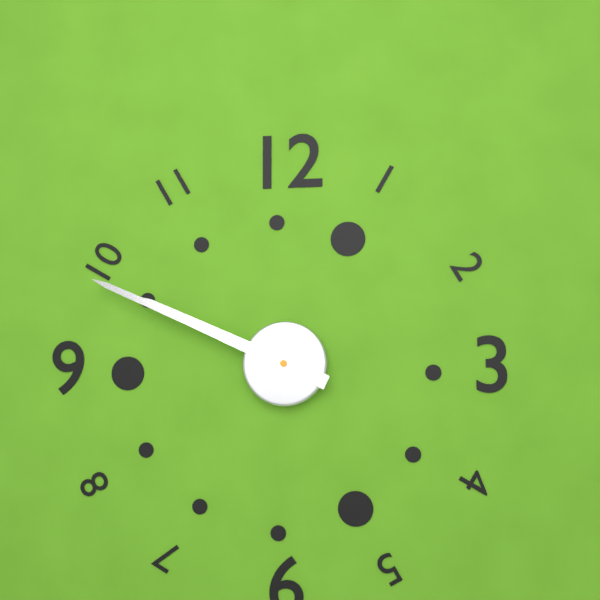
9:49
